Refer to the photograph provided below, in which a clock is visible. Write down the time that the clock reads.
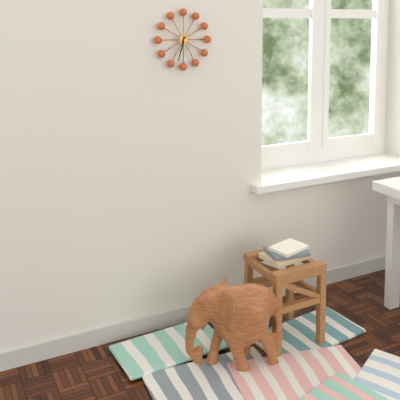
6:33
